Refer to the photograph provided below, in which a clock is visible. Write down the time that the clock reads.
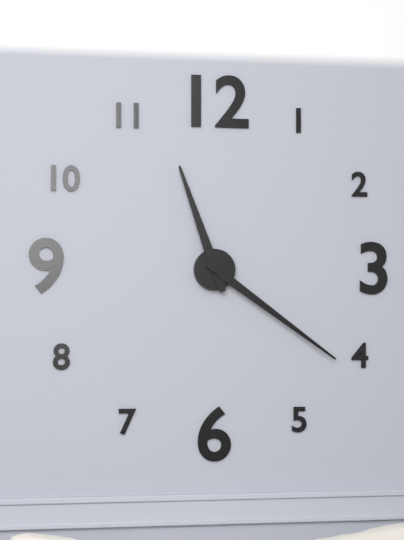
11:21
